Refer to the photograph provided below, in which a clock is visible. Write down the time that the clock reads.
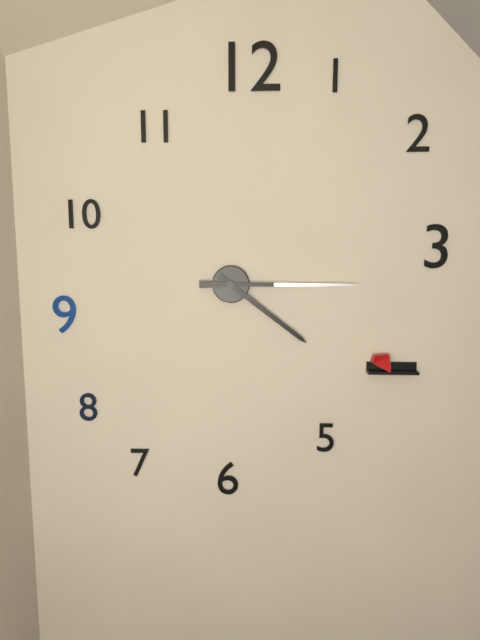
4:15
